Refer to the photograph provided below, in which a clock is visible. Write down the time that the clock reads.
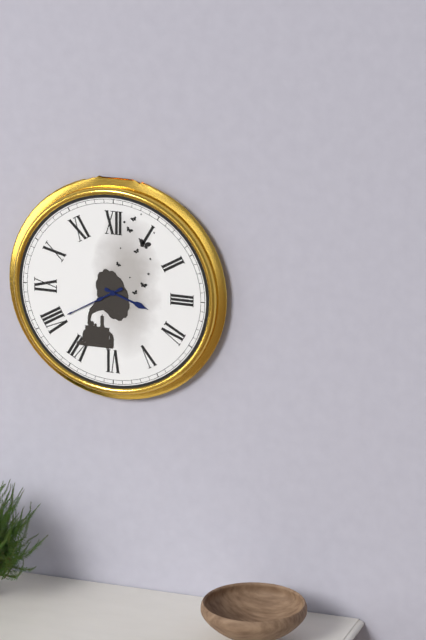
3:40
